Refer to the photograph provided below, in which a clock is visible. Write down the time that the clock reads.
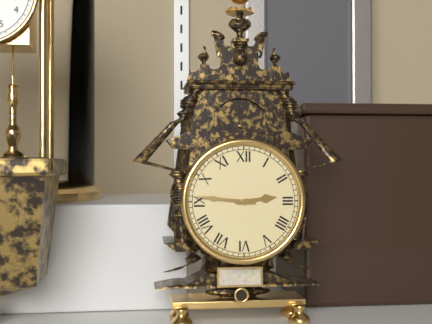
2:46
